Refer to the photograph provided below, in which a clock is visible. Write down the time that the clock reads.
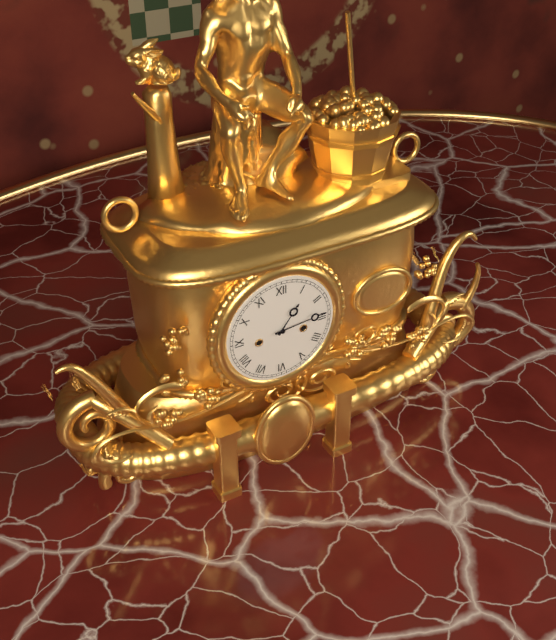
1:14
